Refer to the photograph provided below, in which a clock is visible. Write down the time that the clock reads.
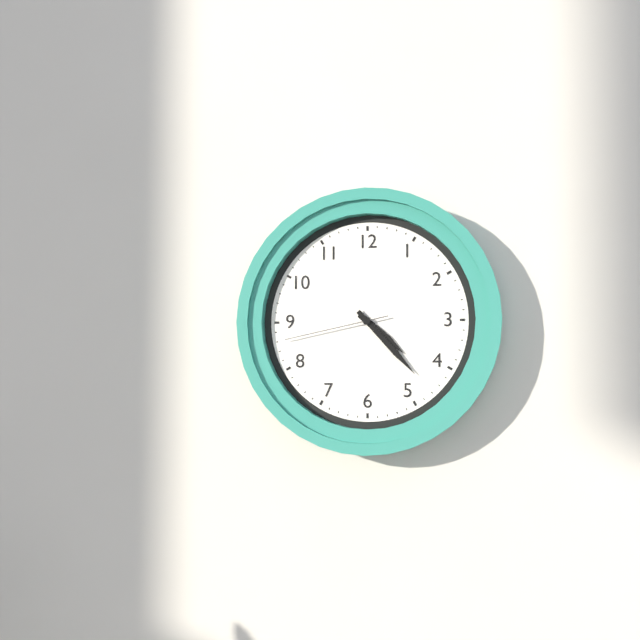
4:23:43
